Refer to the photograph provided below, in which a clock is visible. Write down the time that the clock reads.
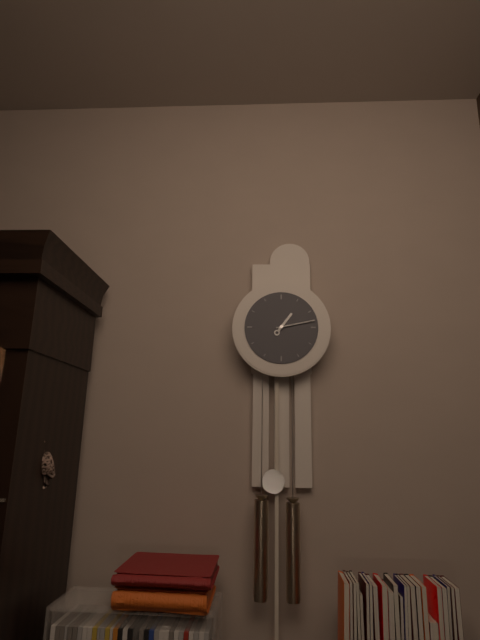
1:13
